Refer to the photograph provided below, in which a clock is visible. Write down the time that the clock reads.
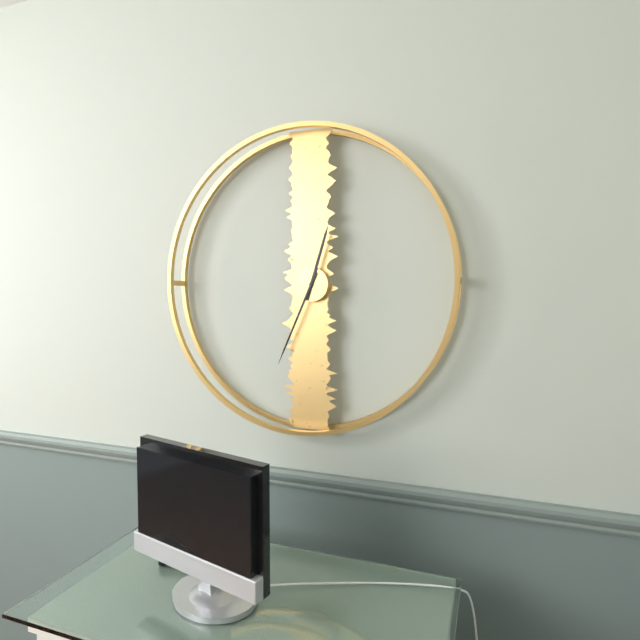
12:34
